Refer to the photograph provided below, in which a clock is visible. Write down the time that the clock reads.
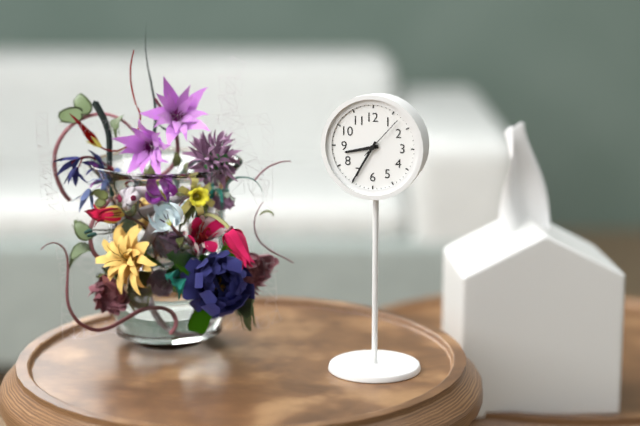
8:35
